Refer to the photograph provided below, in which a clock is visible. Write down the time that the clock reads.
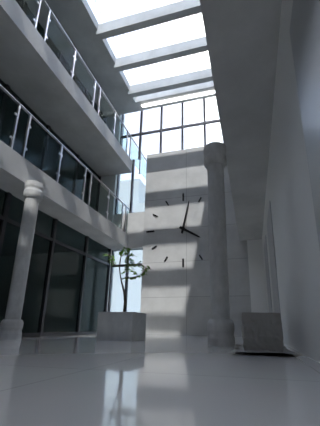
4:02
